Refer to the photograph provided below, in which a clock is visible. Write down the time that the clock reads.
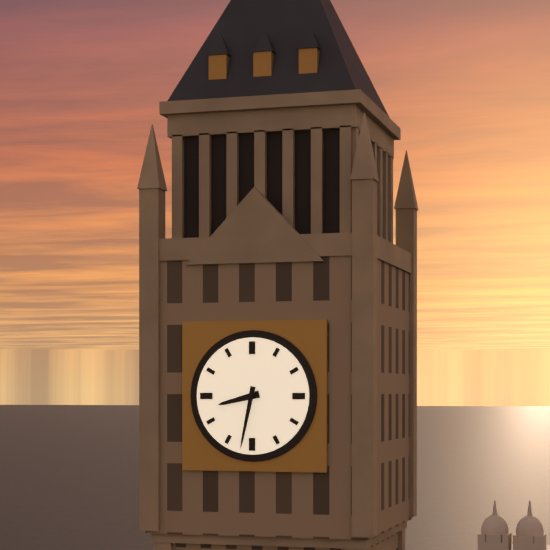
8:32
